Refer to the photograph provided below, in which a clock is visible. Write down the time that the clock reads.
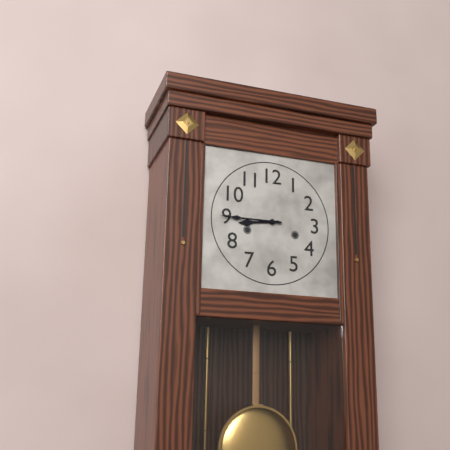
8:45
